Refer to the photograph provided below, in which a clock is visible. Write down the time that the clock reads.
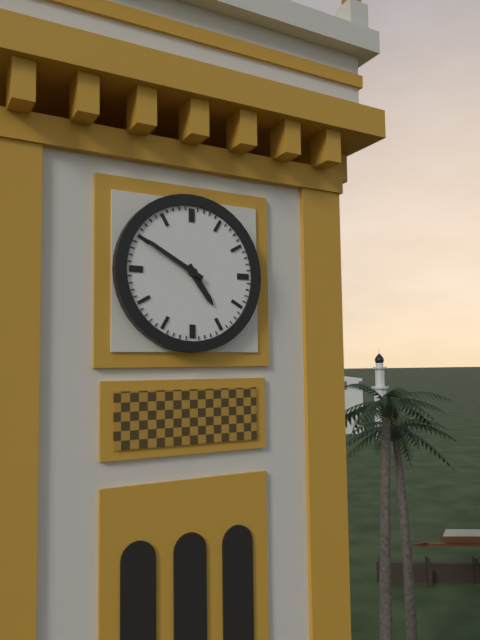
4:50
